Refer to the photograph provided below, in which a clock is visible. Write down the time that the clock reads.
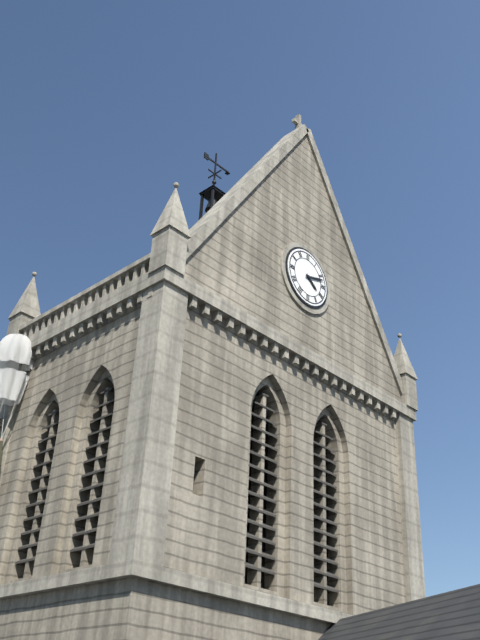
4:12
